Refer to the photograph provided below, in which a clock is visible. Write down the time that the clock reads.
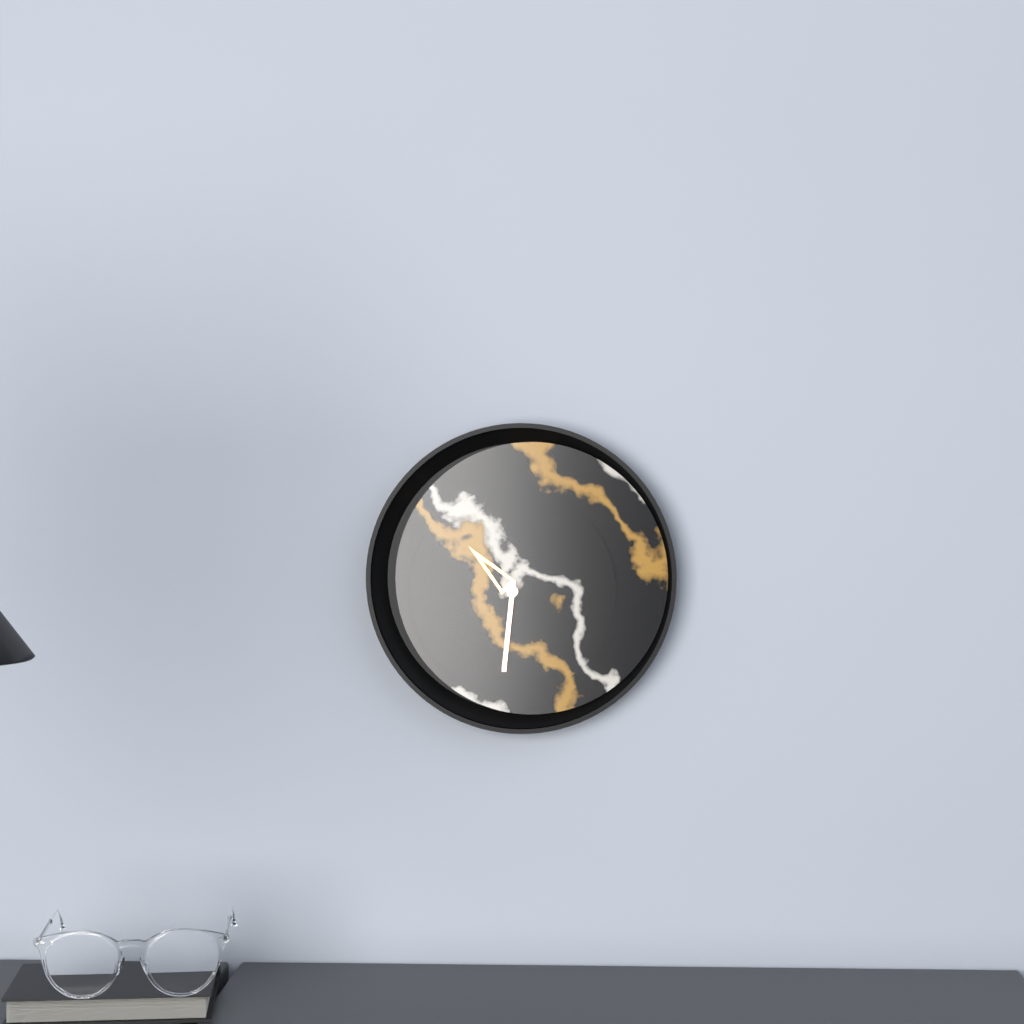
10:31
